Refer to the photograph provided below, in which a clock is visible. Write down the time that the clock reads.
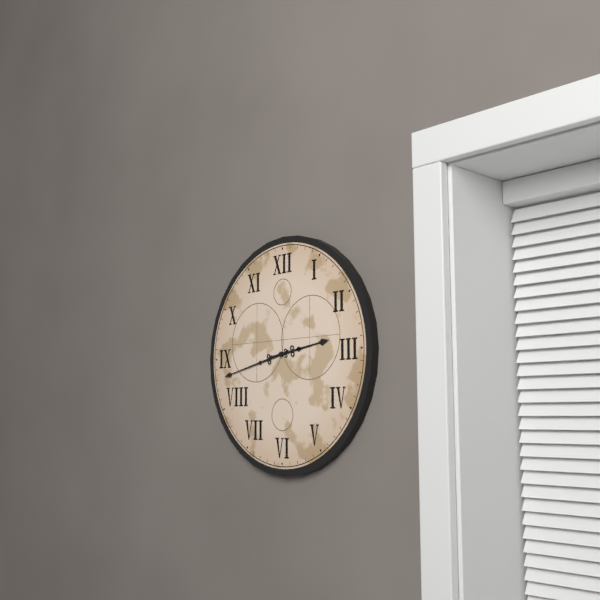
2:43
